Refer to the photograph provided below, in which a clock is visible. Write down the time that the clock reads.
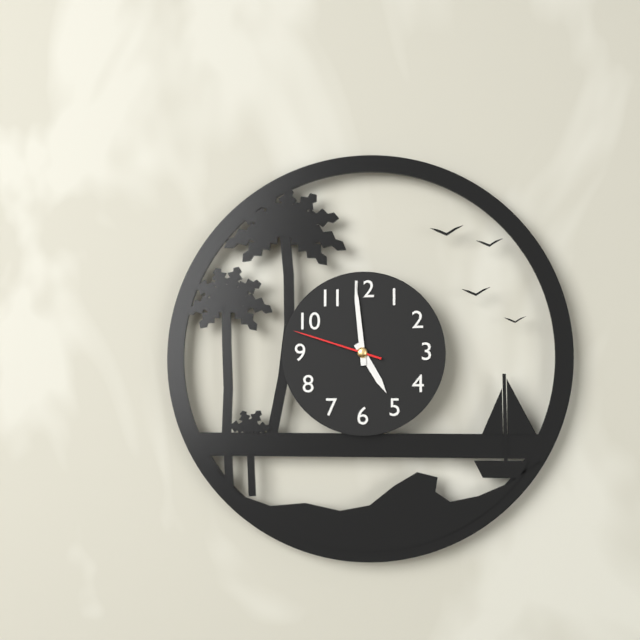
4:59:48
